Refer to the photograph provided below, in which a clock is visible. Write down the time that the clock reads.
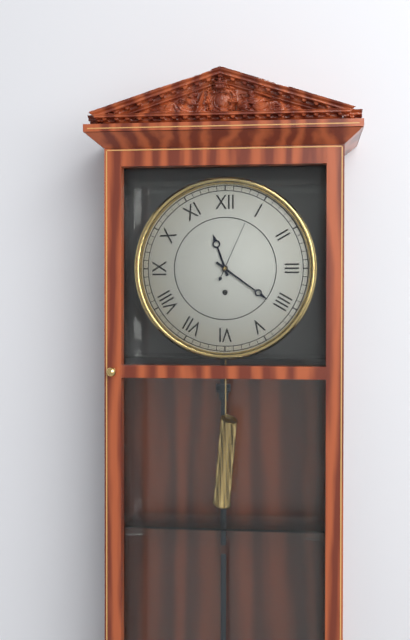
11:21:04
